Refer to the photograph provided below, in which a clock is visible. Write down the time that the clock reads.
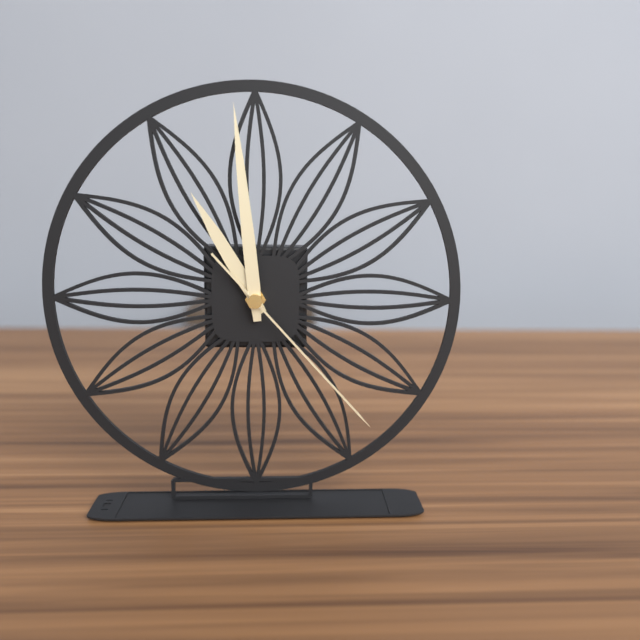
10:59:23
